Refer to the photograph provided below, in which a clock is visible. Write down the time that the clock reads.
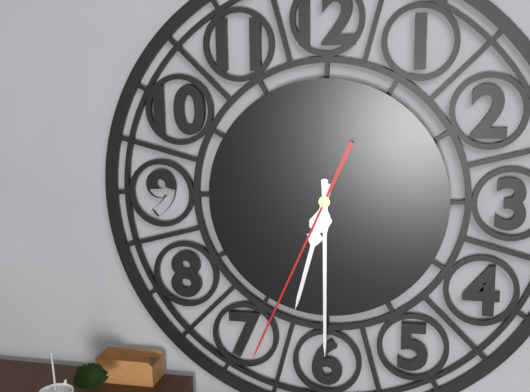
6:30:34
